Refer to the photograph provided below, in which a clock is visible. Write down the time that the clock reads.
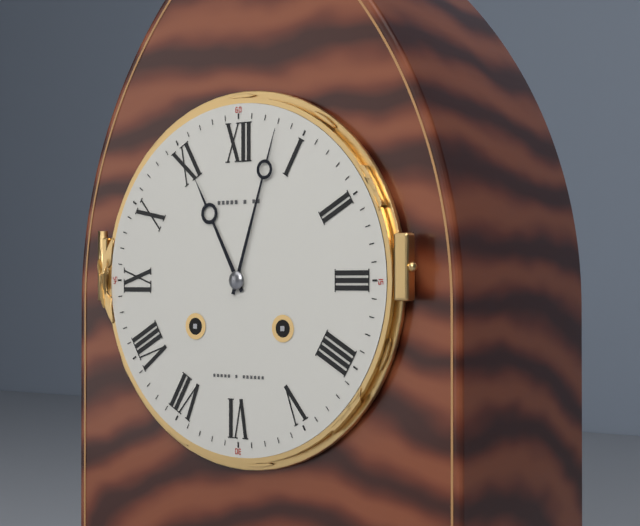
11:03
